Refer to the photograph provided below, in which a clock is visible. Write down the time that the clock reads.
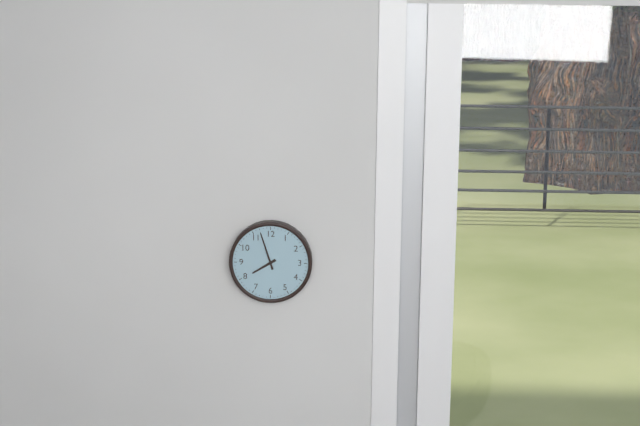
7:57
